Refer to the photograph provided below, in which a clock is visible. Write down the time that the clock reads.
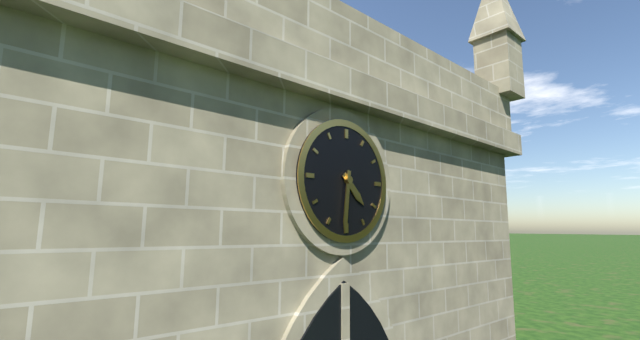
4:31
